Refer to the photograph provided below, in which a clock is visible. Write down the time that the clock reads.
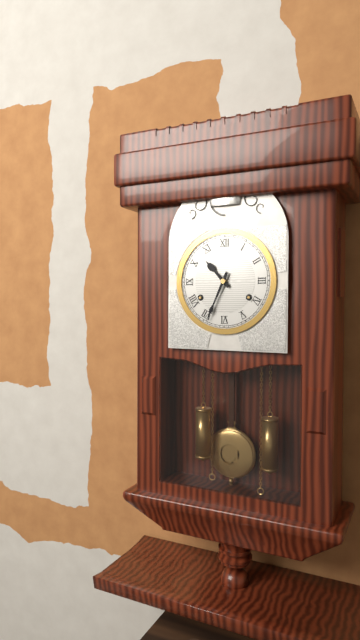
10:34
